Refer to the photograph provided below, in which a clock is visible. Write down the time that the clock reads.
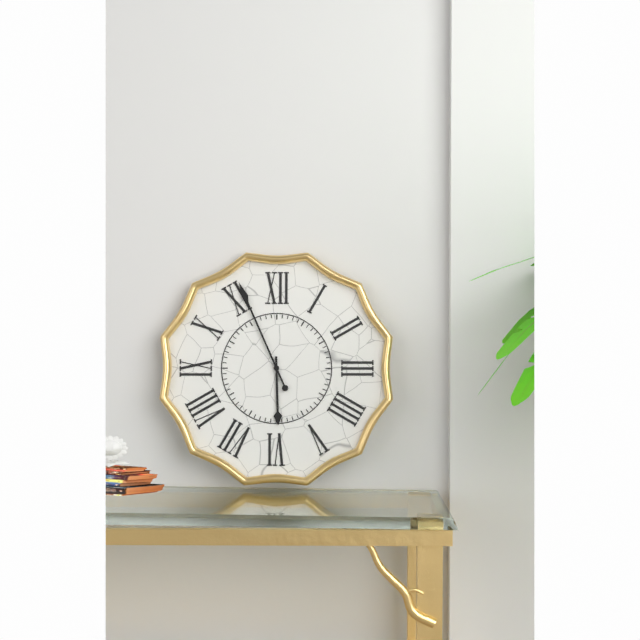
5:56
